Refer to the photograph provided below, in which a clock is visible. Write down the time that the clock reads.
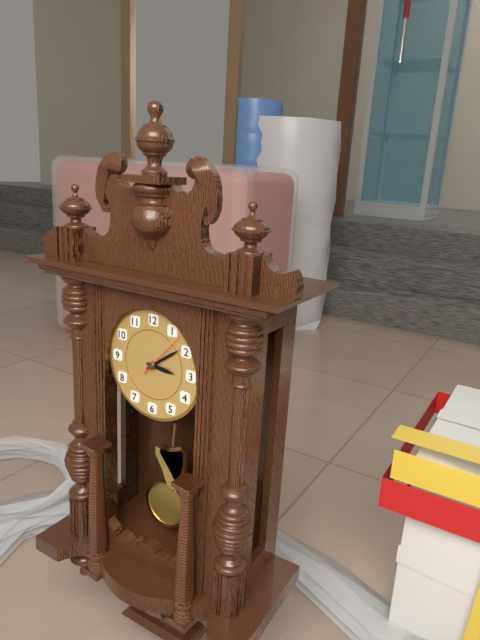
3:09
